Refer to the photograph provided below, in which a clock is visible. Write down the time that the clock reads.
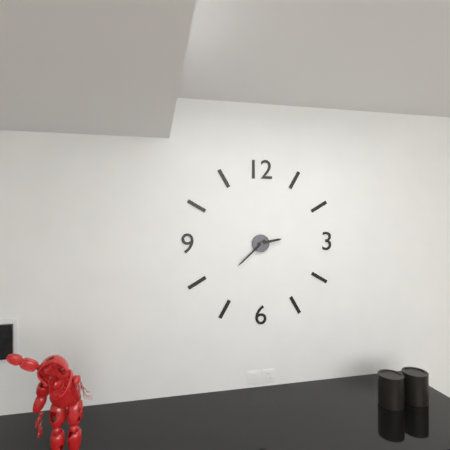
2:38
